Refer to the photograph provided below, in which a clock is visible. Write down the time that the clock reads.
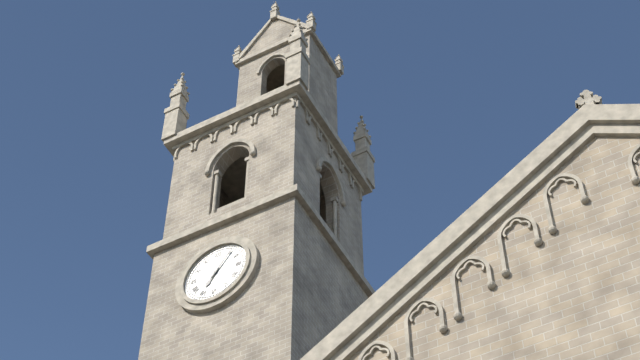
7:06
